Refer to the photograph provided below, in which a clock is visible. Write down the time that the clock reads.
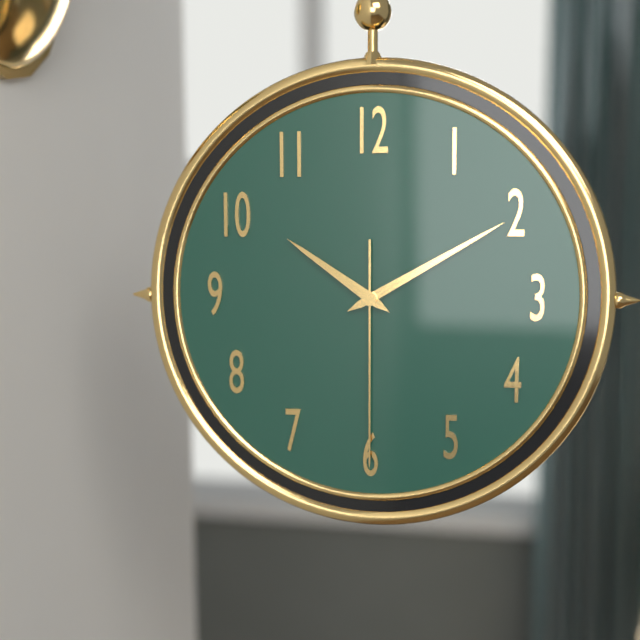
10:10:30
